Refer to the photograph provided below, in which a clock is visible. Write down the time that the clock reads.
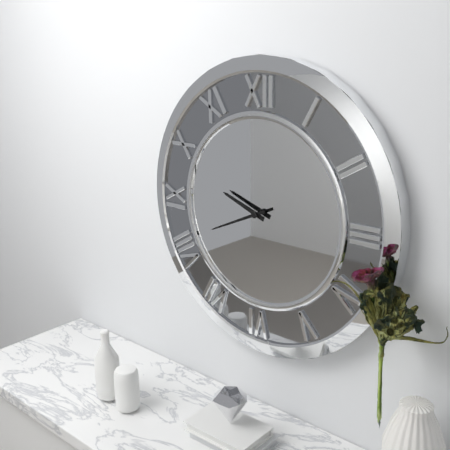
9:41
